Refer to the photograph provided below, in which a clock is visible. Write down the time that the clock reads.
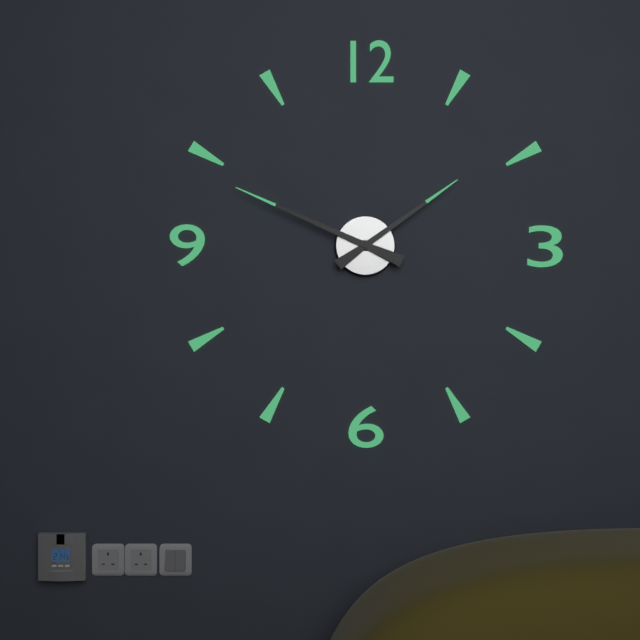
1:49
